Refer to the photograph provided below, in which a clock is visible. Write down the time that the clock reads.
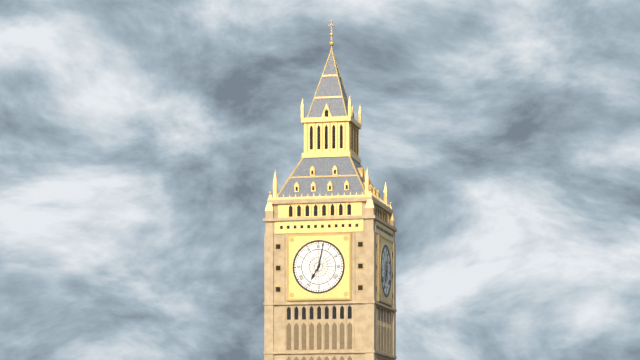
7:02
